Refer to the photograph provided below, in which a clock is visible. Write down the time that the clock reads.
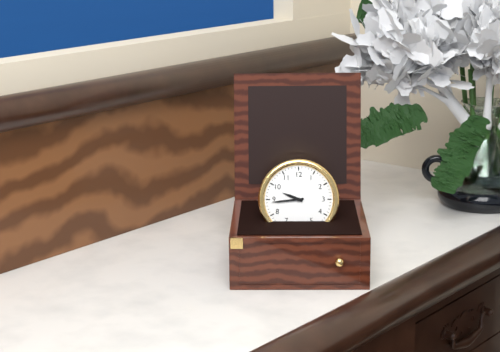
9:44
